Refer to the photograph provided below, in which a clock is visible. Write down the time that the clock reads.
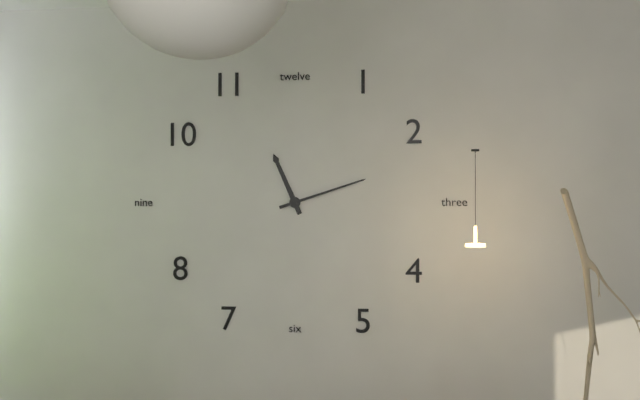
11:12
